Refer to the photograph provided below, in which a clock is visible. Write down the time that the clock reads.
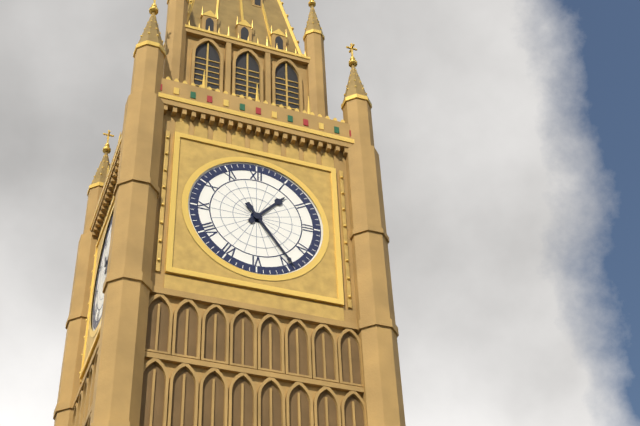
1:24
